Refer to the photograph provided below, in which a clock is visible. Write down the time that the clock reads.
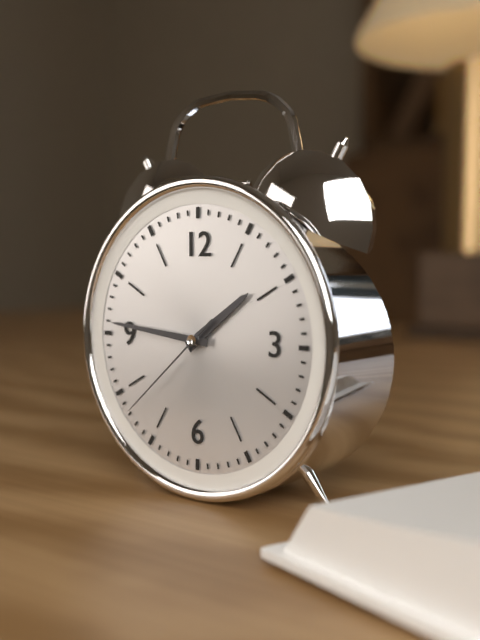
1:46:38
